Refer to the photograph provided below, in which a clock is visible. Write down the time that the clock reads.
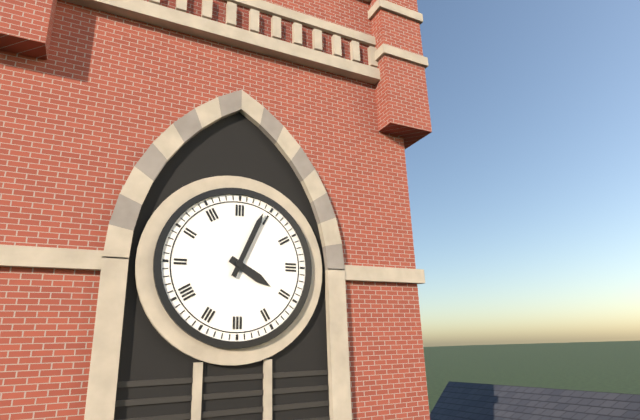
4:04
